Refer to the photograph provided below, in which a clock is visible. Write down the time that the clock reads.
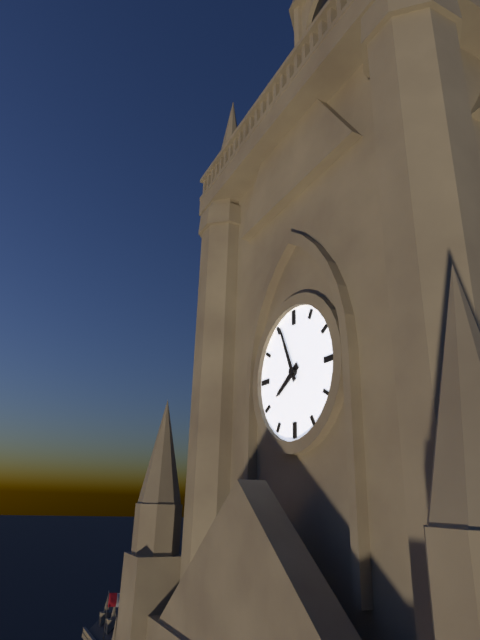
7:56
